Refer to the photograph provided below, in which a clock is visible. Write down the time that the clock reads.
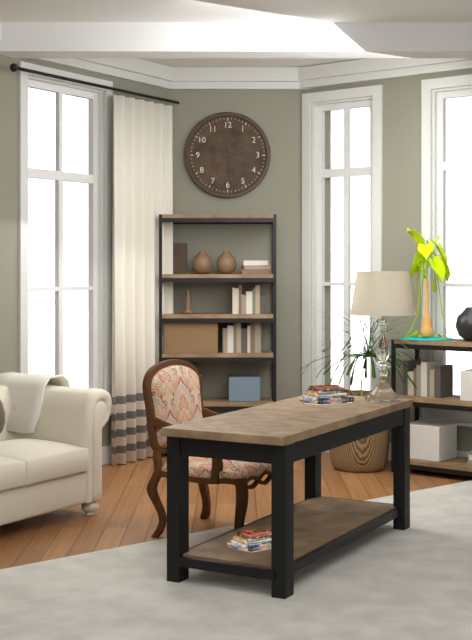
2:29
